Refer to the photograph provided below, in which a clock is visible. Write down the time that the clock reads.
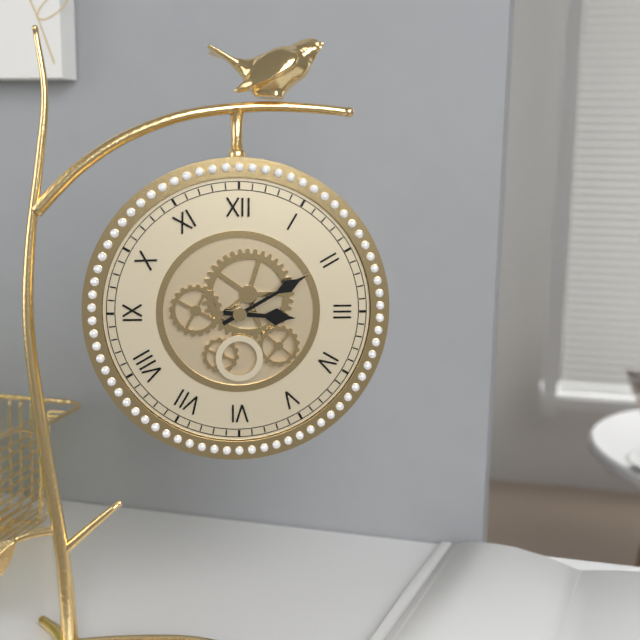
3:10
